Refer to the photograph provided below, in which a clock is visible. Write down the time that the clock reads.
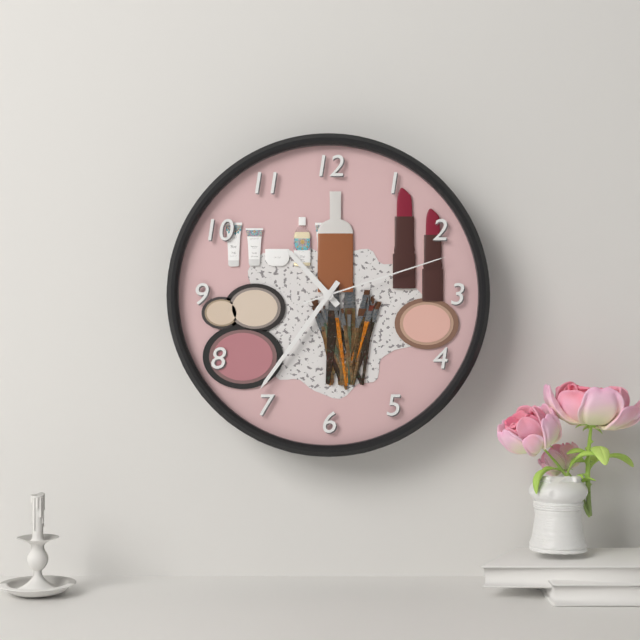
10:36:12
